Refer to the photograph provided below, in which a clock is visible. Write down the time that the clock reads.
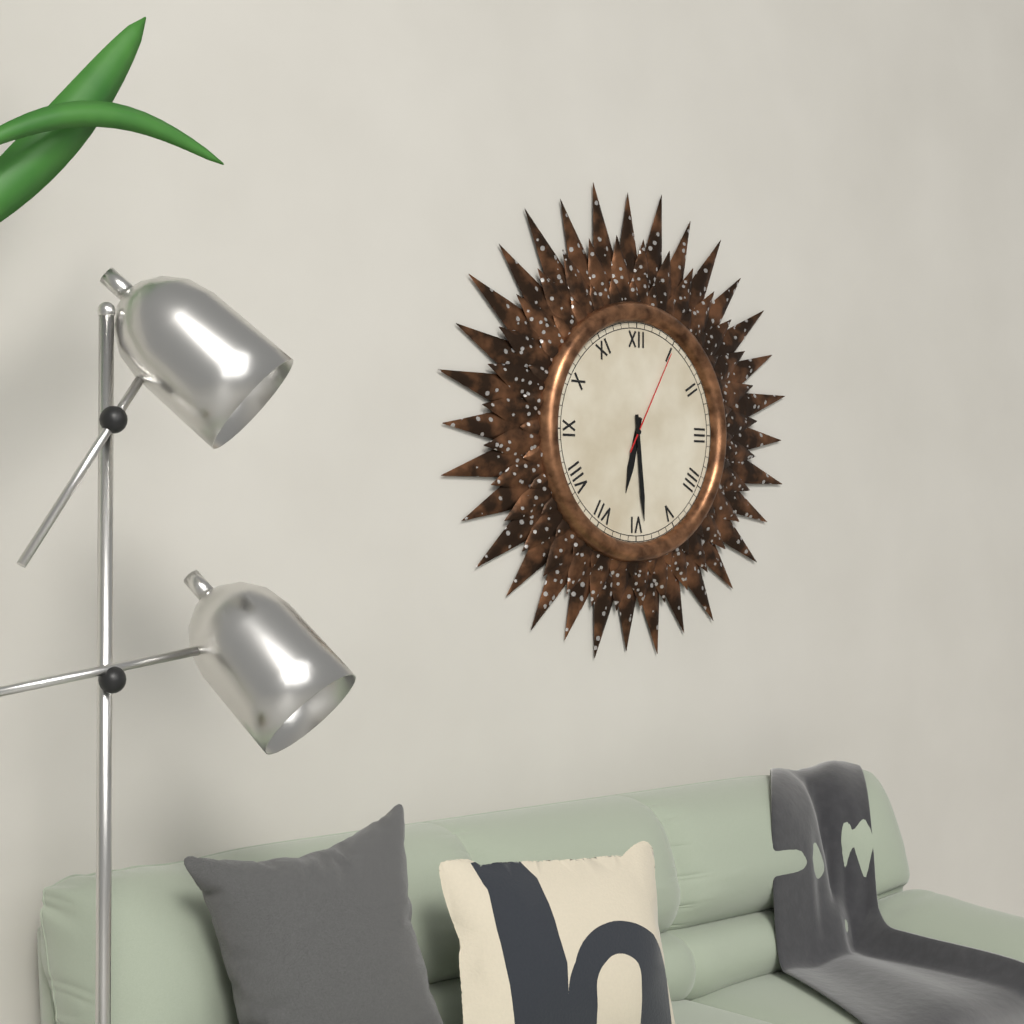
6:29:05
